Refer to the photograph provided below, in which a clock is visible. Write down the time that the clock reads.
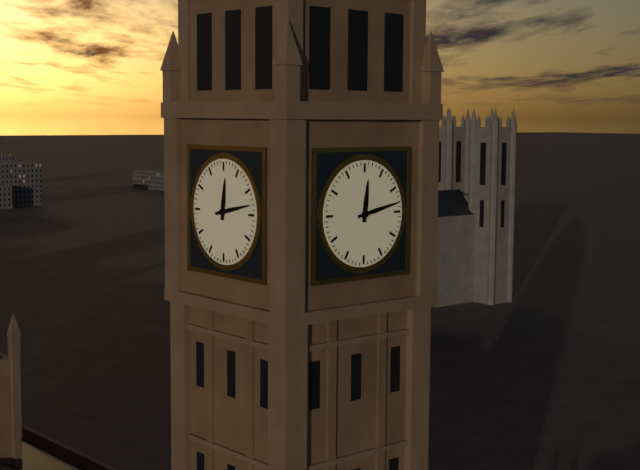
12:13
